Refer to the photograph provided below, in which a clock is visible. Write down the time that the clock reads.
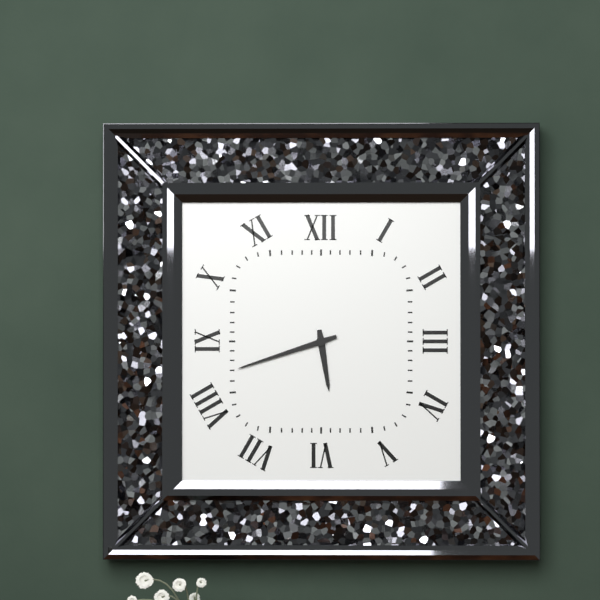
5:42
